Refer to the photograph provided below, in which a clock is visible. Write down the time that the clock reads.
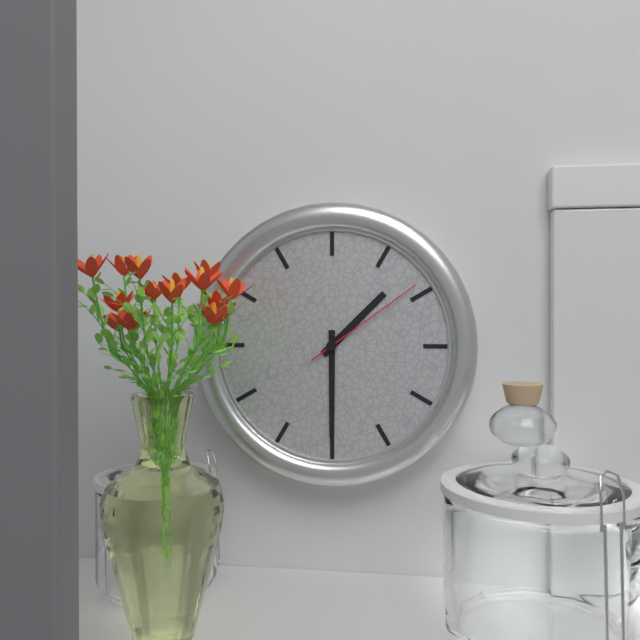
1:30:09
